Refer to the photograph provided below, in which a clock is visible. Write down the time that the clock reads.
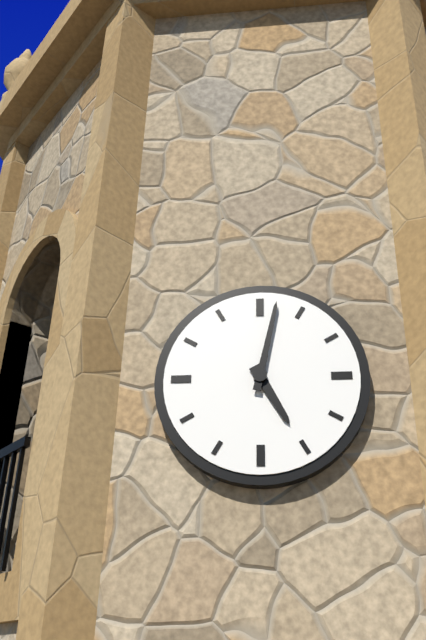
5:02
